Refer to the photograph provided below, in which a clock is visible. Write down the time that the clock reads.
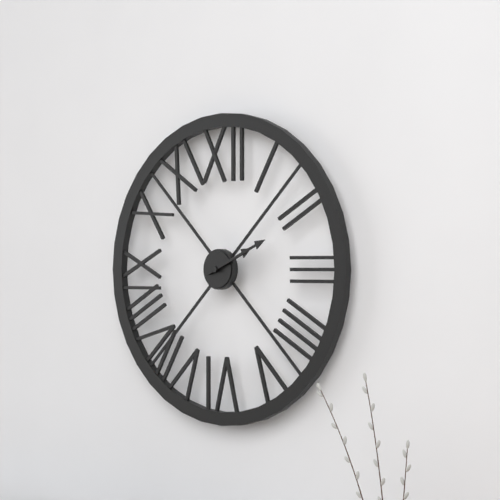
2:11
